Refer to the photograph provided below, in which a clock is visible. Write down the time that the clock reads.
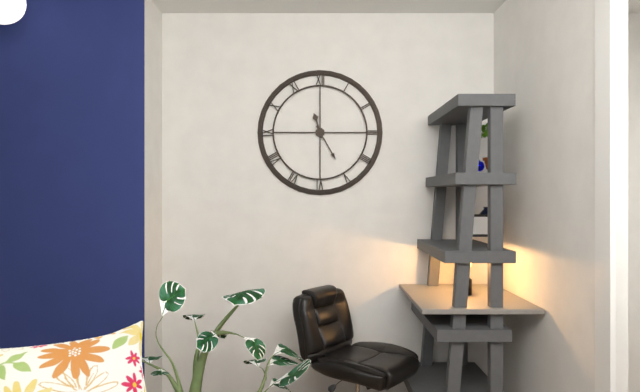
11:25
